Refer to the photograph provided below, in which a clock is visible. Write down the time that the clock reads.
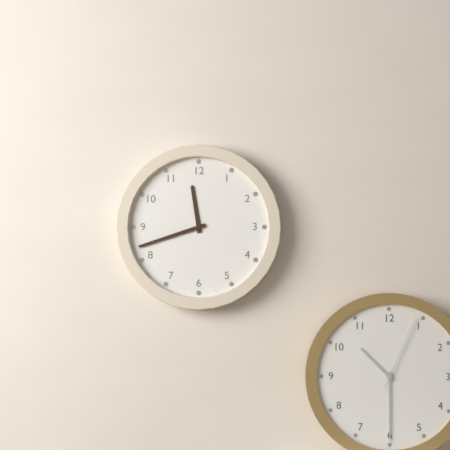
11:42
